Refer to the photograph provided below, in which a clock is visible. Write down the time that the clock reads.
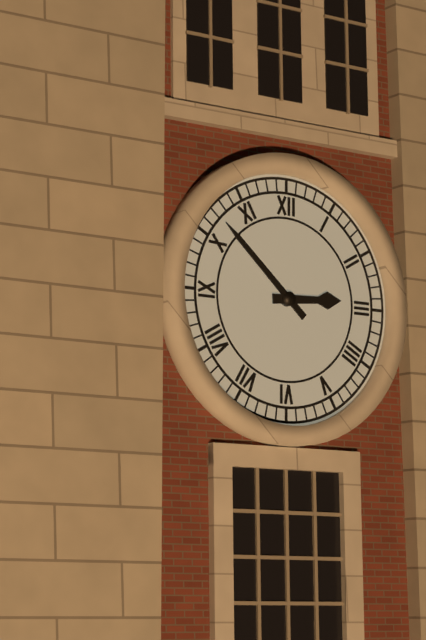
2:52
